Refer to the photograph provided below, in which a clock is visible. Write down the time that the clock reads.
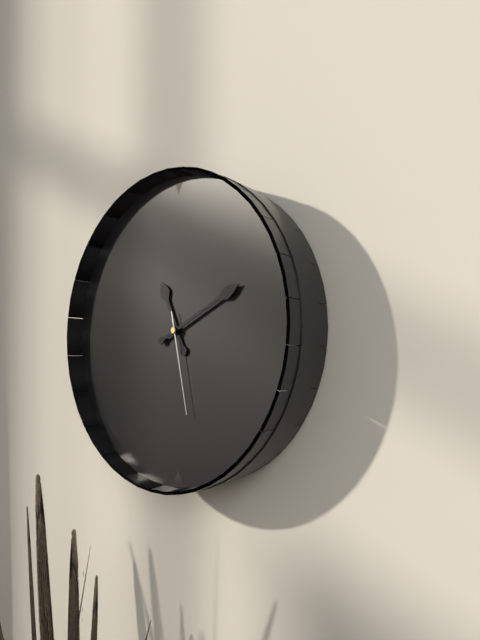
11:11:28
